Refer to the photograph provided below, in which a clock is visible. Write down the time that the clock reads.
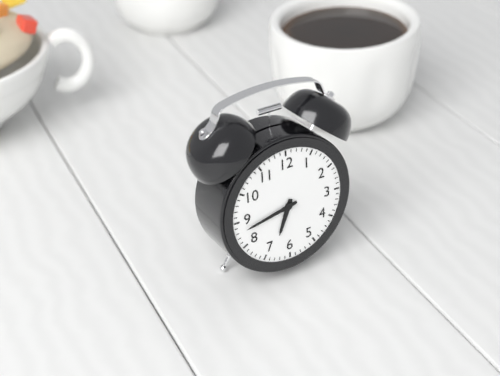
6:43
